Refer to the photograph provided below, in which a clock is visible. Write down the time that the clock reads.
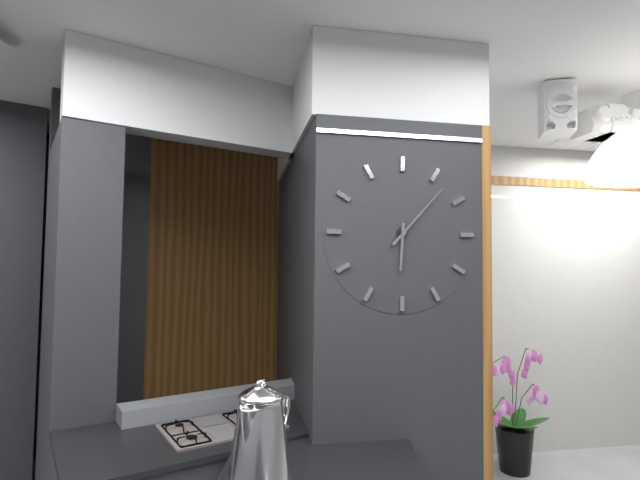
6:07
